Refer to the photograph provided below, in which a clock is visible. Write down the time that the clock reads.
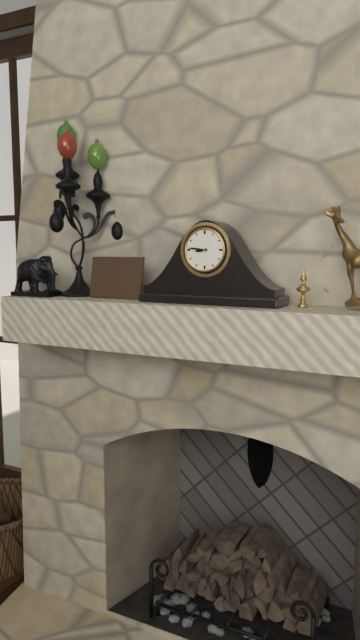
8:46
